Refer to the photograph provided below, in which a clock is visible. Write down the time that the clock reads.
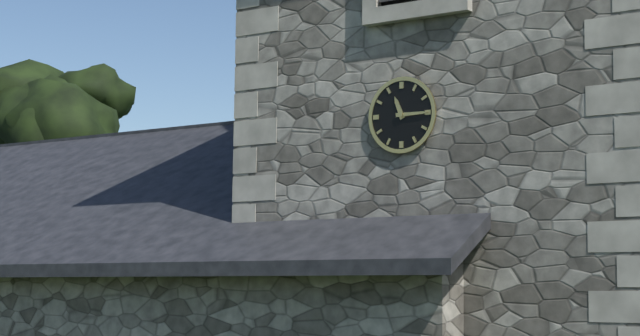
11:15
